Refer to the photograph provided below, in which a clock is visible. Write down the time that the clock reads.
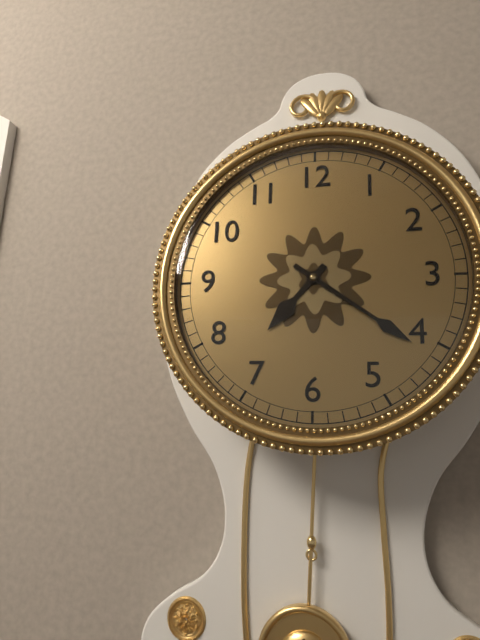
7:21
